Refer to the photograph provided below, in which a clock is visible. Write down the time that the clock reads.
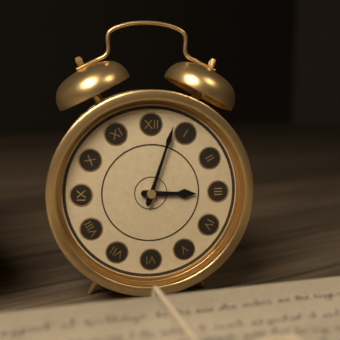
3:03
